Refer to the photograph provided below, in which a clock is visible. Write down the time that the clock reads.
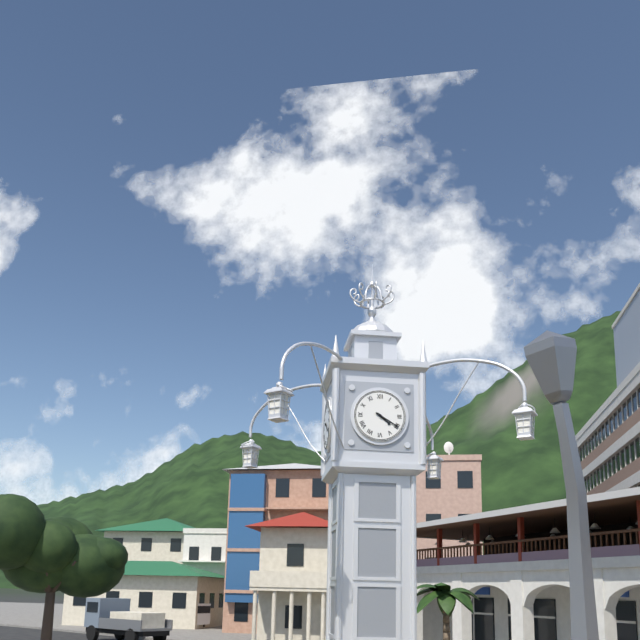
4:20
